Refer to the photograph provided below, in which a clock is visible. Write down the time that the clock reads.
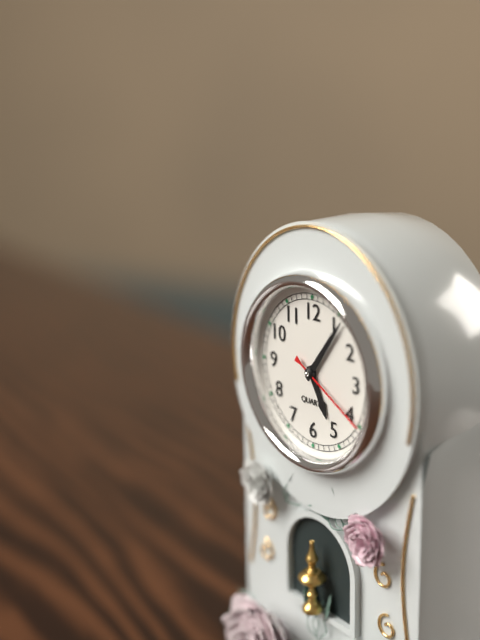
5:06:20
